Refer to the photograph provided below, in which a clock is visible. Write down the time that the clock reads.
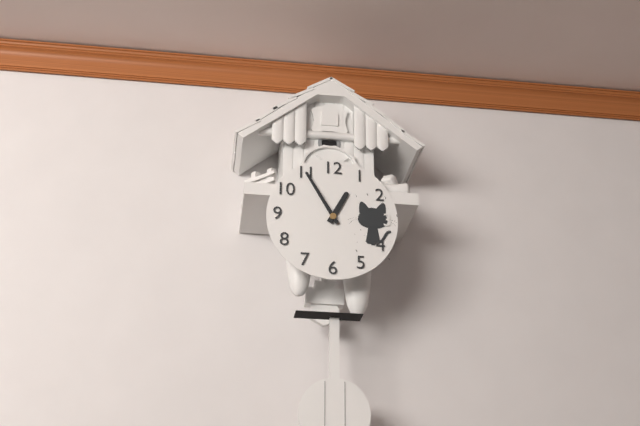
12:55
